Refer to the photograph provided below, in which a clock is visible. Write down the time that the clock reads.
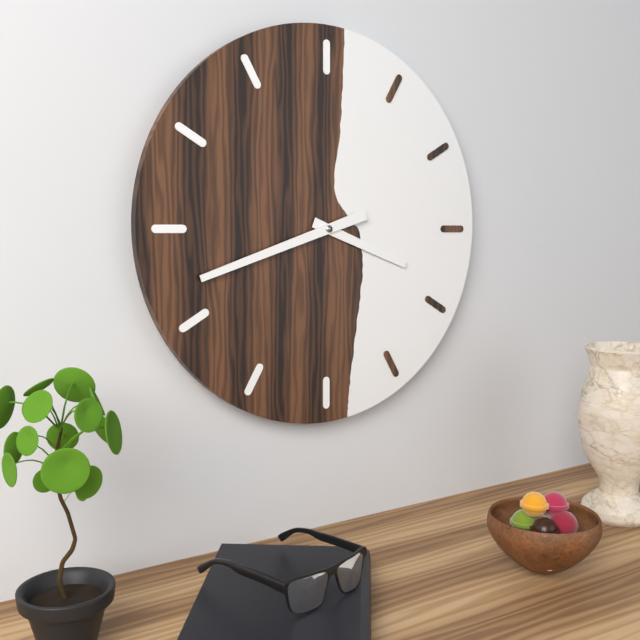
3:42
